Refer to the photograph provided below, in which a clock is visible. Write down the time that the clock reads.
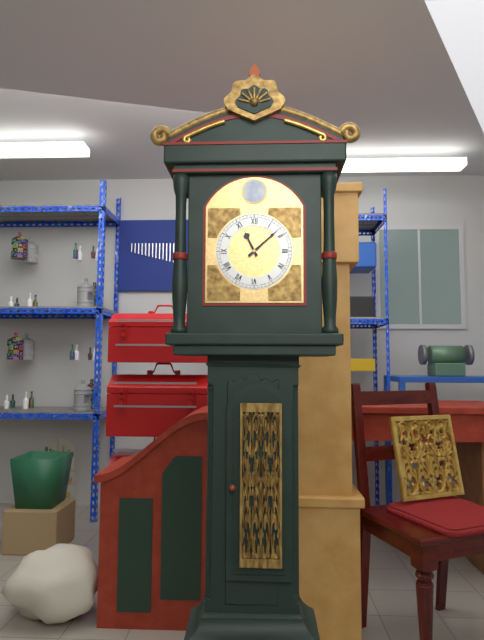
11:08
